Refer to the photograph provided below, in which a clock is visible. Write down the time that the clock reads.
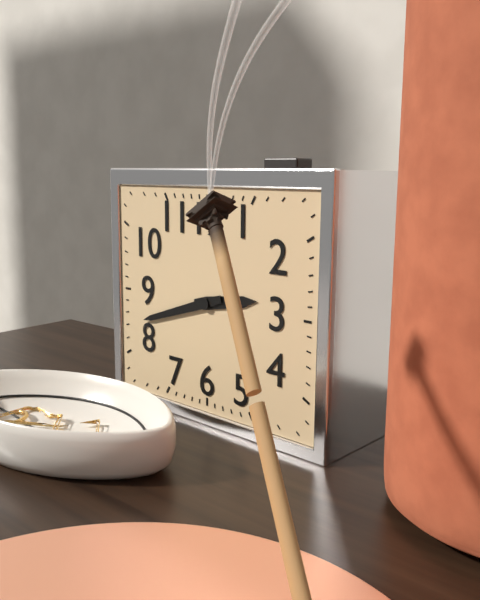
2:42
